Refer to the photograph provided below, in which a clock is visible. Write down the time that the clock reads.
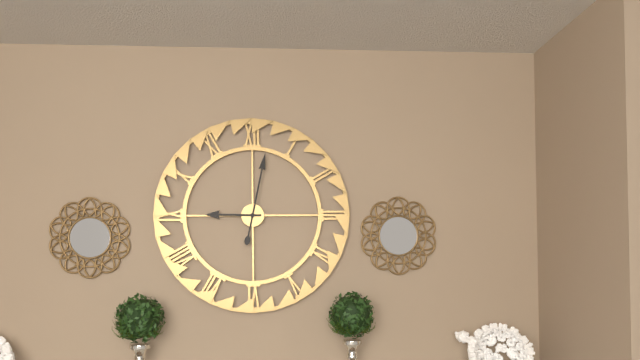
9:02
